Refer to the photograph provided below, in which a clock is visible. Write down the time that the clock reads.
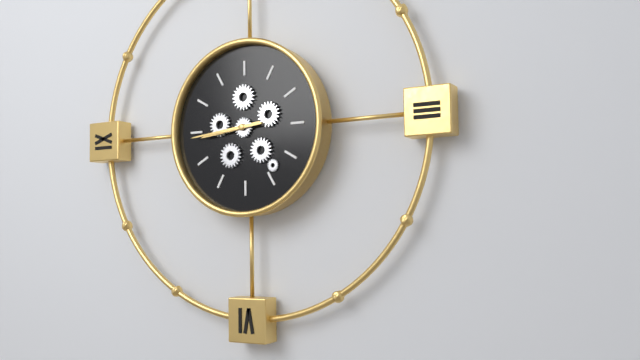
8:44
